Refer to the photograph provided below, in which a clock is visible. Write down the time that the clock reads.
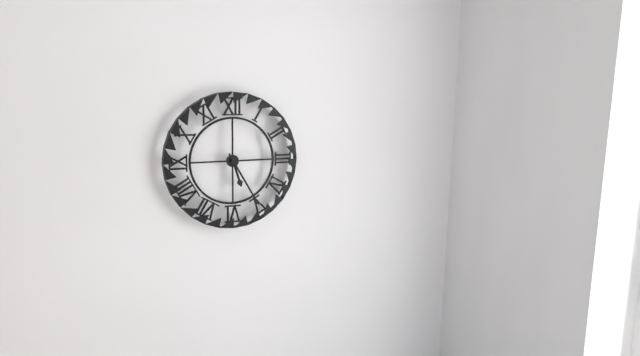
5:25
